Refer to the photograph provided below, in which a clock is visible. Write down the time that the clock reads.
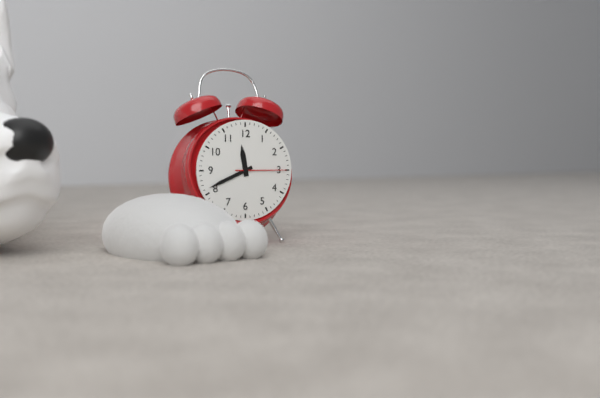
11:41:15
